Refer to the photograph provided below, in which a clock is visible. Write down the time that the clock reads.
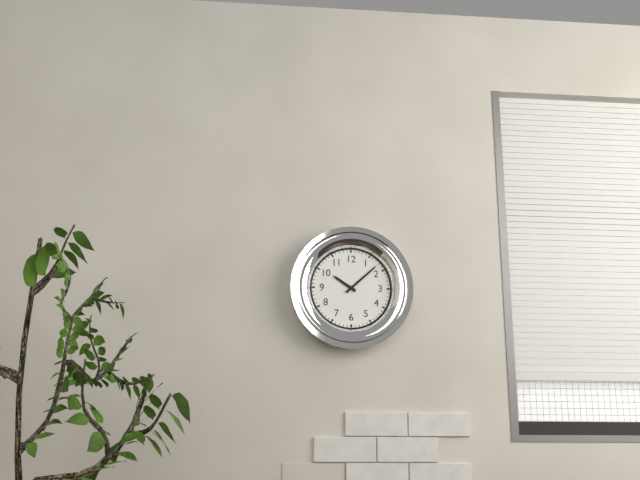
10:08
